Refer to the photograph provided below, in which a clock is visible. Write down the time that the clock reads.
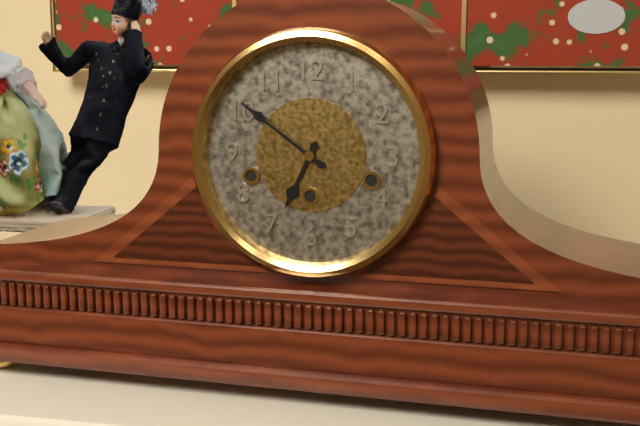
6:51
